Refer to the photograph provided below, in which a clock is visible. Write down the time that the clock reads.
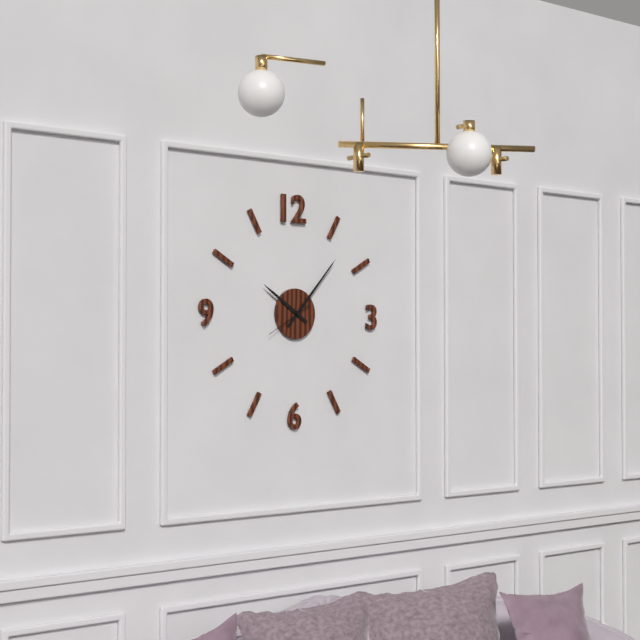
10:07
